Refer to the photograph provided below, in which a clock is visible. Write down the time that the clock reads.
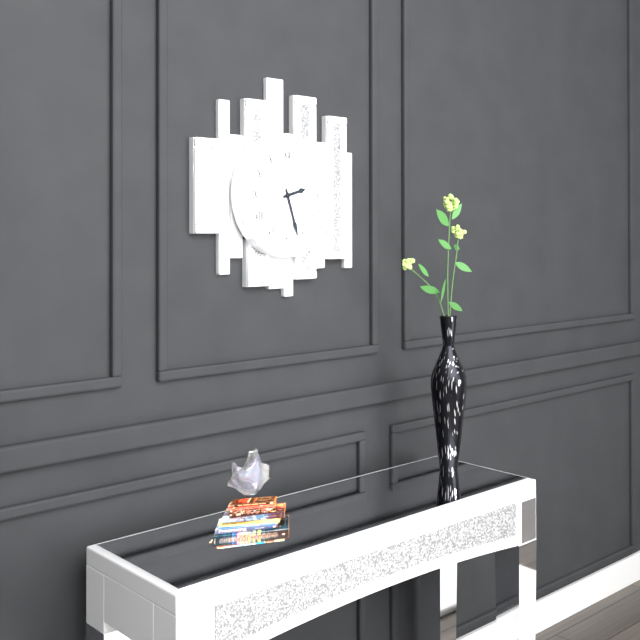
2:27
